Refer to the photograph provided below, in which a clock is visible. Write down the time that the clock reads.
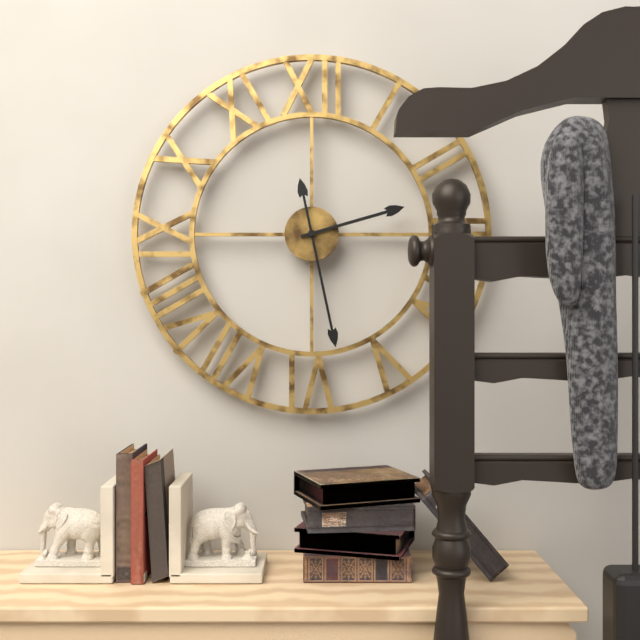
2:28
